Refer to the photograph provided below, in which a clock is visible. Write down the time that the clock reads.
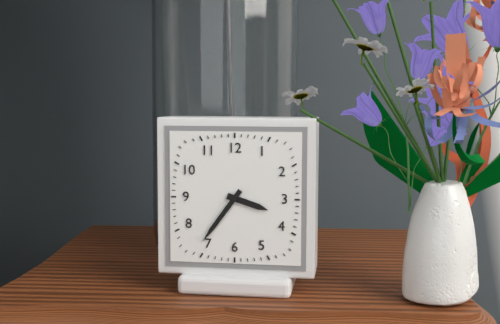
3:36
